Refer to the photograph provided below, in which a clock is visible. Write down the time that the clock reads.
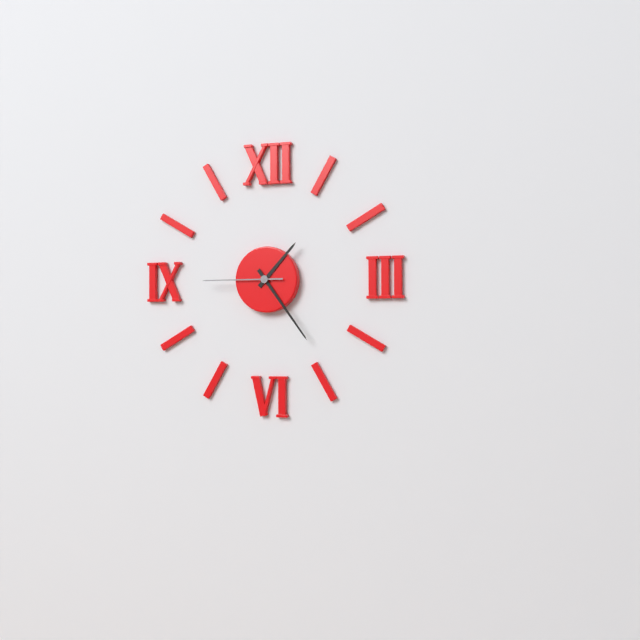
1:24:45
